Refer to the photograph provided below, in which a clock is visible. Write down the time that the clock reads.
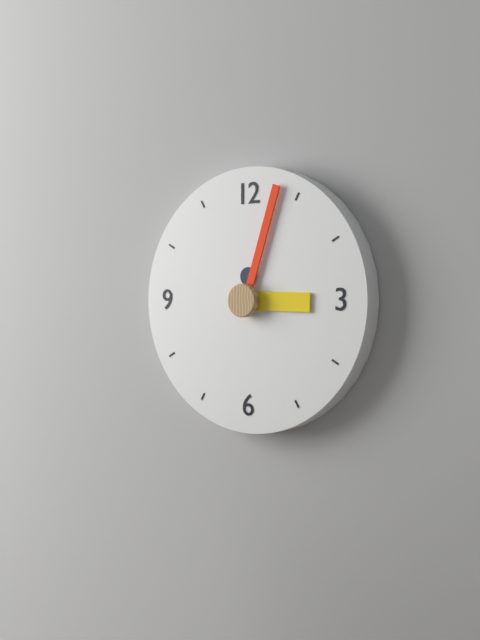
3:03
